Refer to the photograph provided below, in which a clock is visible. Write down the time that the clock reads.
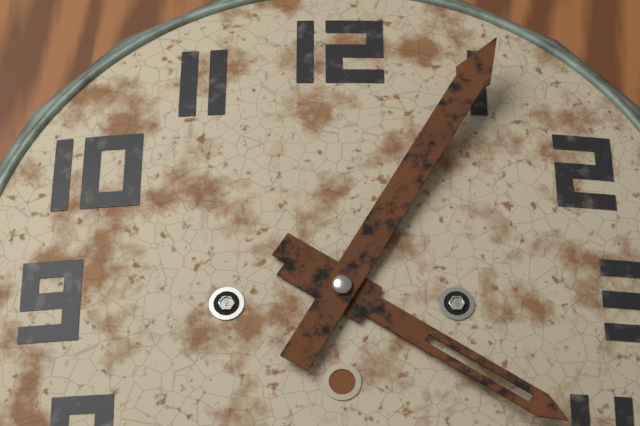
4:05
